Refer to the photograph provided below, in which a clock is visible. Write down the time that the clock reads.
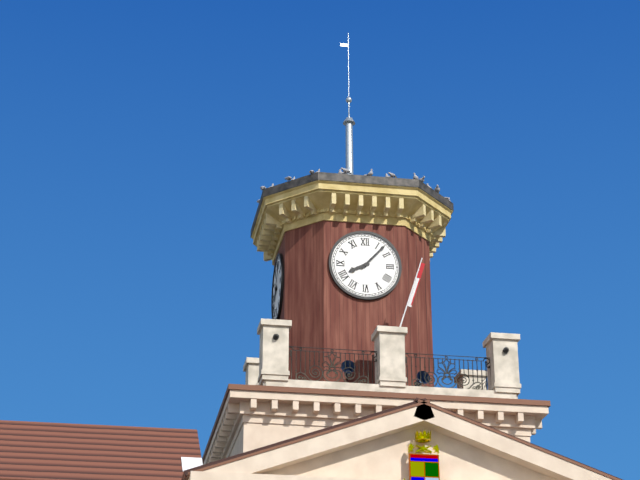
8:07
